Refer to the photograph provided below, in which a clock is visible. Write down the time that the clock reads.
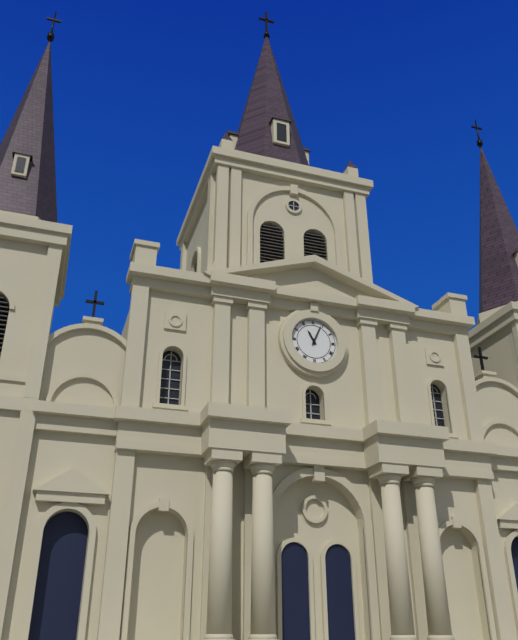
11:04
